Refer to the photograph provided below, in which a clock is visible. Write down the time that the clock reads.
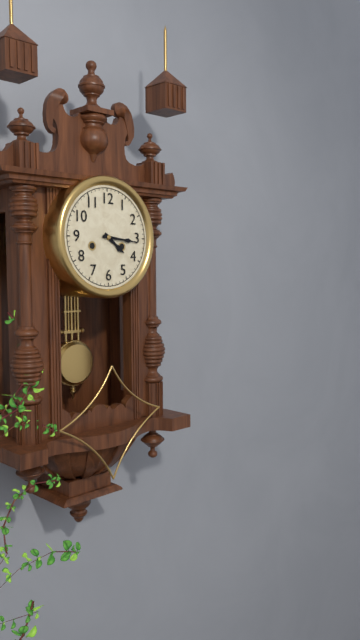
4:16
